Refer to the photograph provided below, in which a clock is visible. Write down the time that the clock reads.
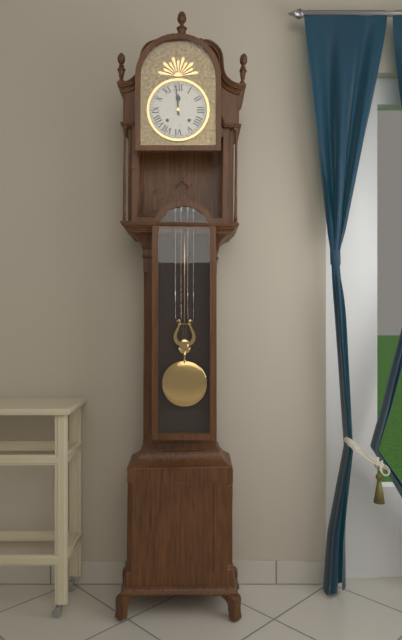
11:59
